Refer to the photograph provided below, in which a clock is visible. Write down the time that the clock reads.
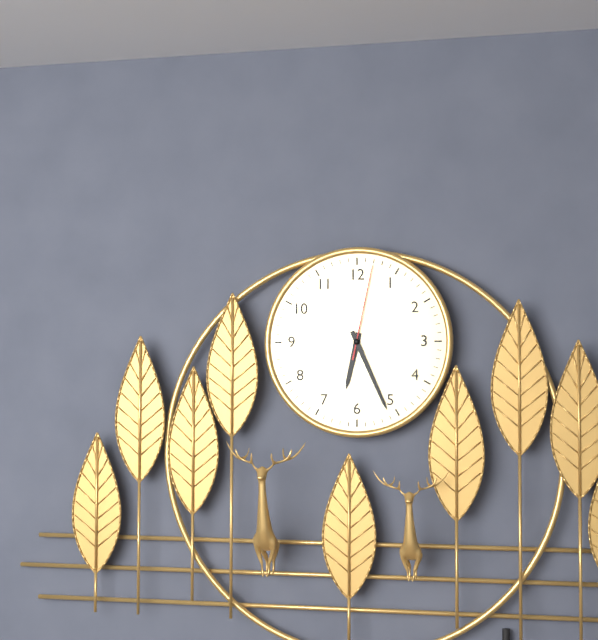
6:26:02
